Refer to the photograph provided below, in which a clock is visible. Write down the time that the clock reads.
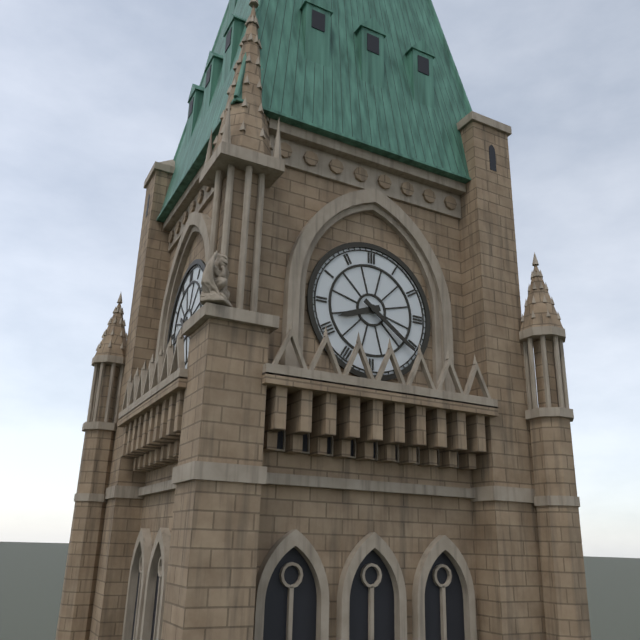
8:21
